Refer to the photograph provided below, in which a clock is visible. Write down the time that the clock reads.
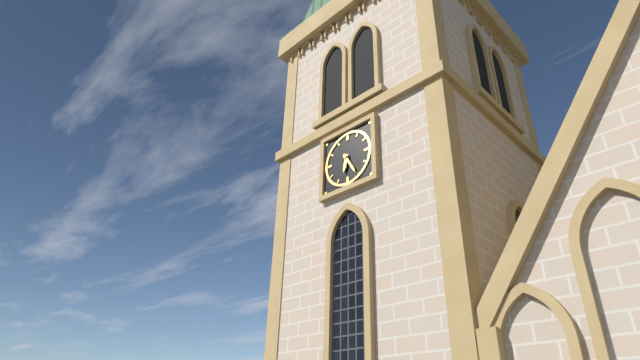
6:25
